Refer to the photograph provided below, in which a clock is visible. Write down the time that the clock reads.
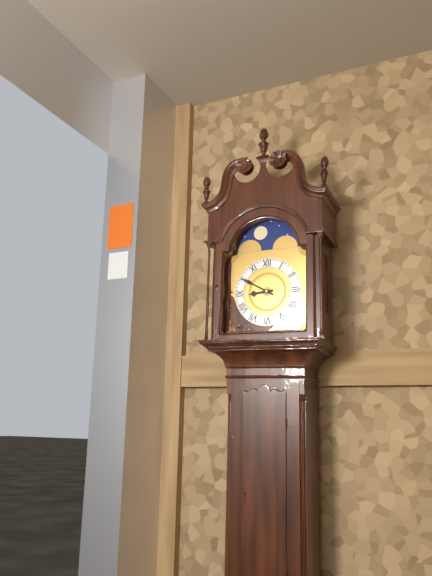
8:50
